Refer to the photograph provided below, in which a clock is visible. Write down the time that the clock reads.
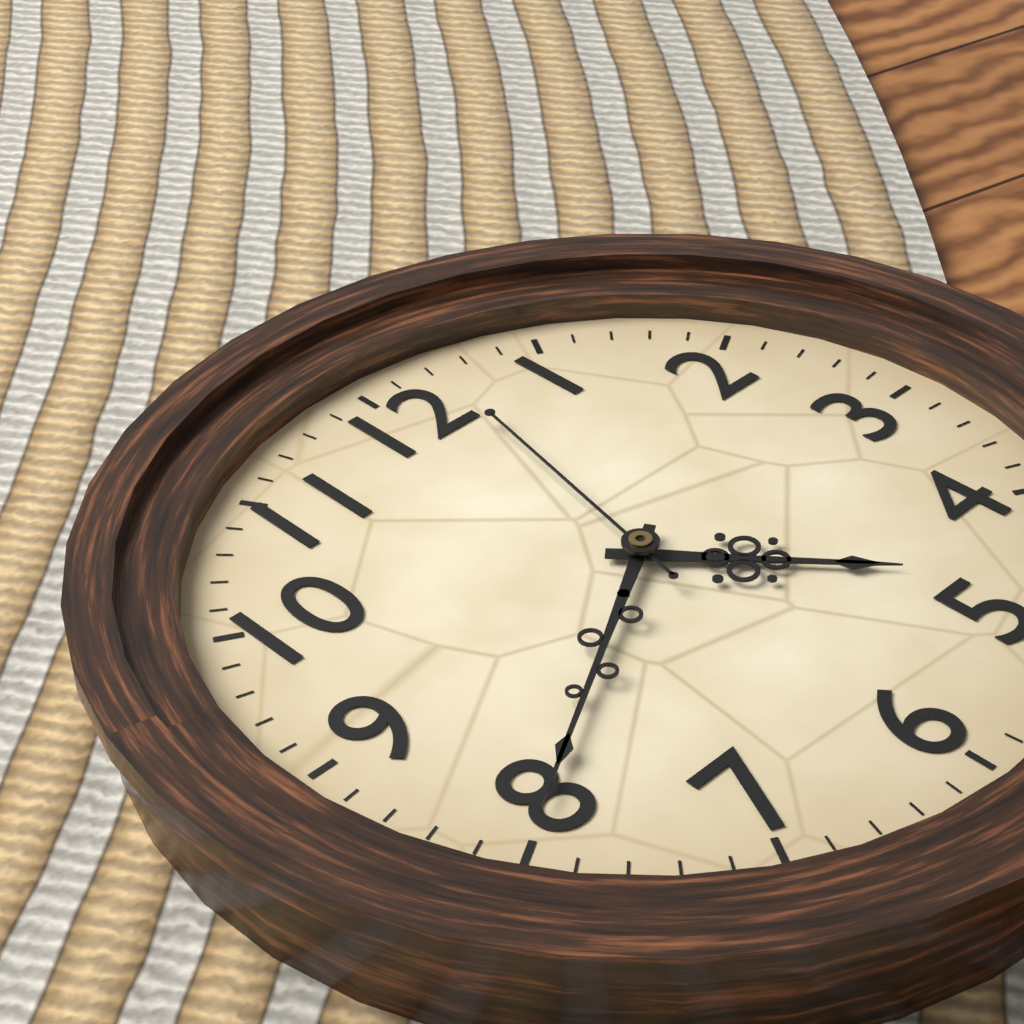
4:40:02
